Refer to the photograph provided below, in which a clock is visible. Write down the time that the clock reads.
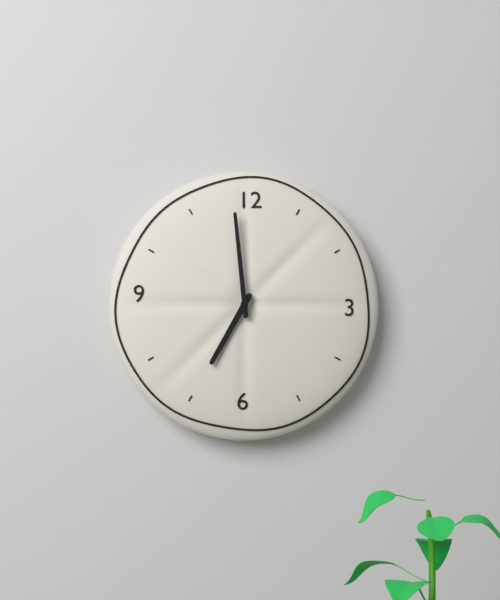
6:59
